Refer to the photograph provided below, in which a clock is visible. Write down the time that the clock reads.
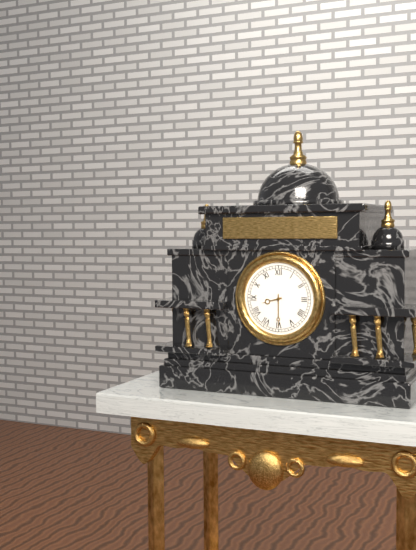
8:30
